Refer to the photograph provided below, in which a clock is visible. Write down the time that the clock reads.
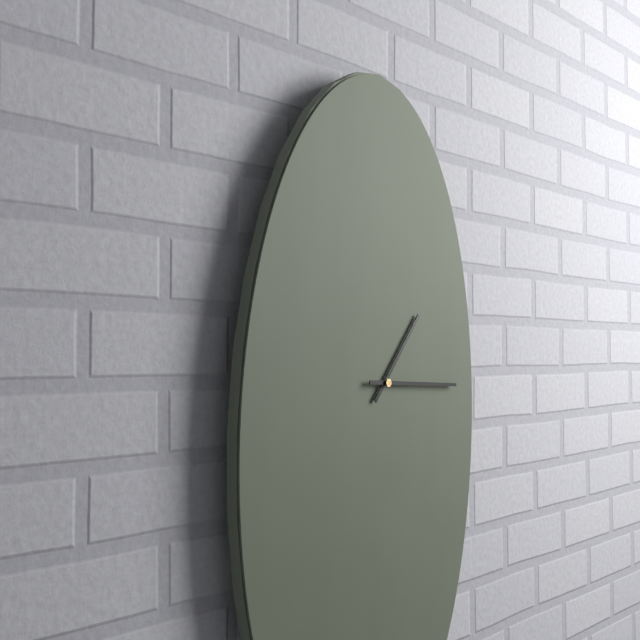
1:15
